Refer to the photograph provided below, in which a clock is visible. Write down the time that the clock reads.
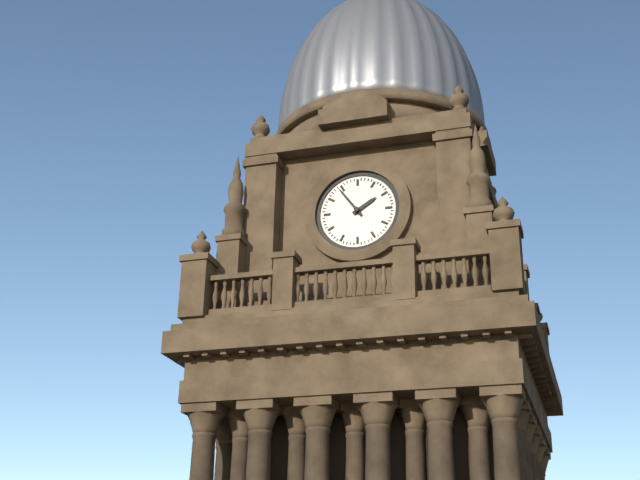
1:54
